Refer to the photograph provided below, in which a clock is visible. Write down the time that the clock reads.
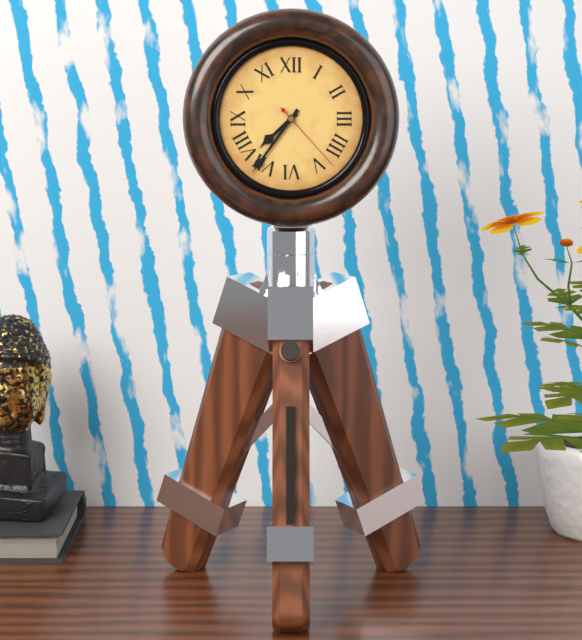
7:36:23
